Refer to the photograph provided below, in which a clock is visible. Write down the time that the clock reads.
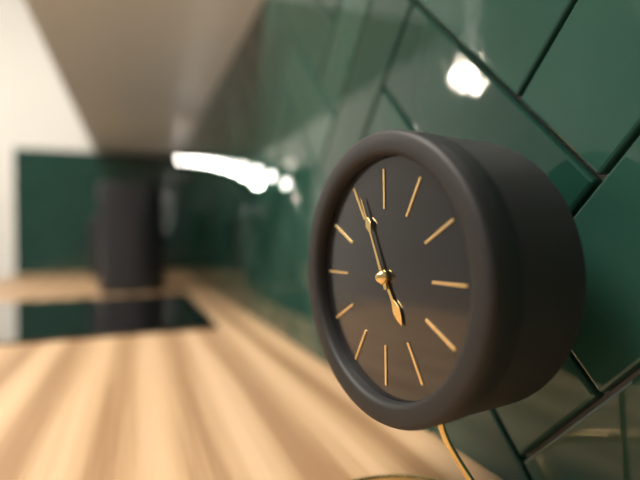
4:56
